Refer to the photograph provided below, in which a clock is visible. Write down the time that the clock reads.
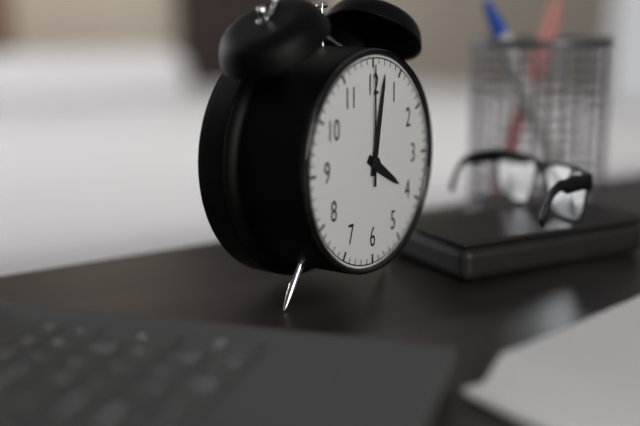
4:02:00
